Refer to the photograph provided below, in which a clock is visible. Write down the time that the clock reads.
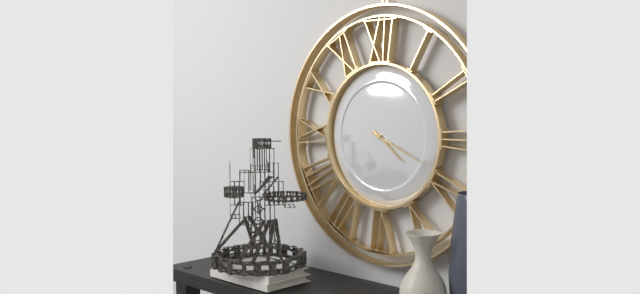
4:19
